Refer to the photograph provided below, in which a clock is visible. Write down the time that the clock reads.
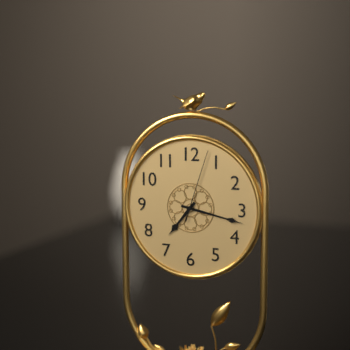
7:17:03
